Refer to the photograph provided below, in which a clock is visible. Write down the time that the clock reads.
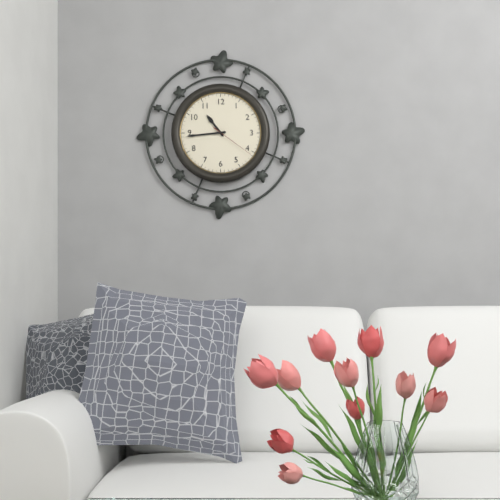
10:44
